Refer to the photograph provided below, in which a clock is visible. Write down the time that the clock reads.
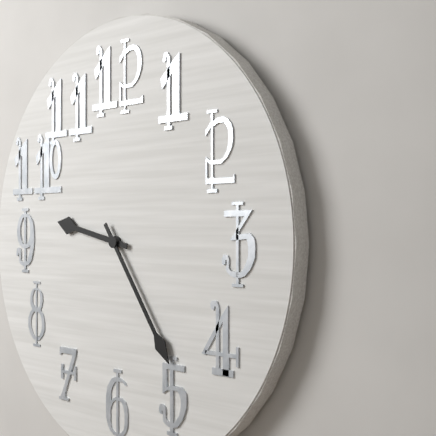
9:24
